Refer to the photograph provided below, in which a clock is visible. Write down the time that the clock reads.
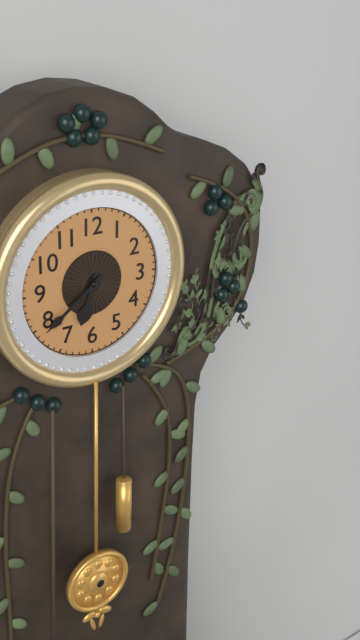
6:39
